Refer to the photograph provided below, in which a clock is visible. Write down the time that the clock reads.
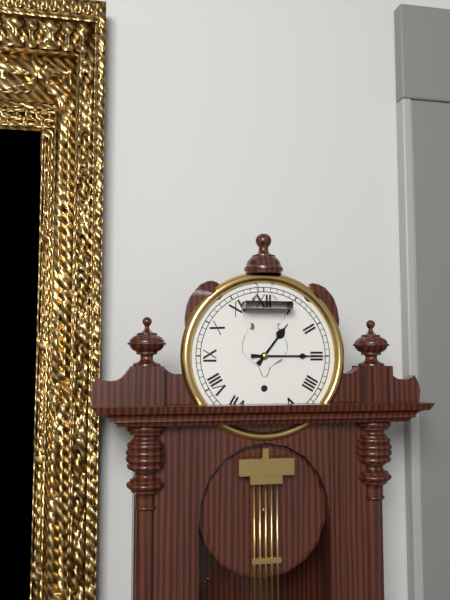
1:15
